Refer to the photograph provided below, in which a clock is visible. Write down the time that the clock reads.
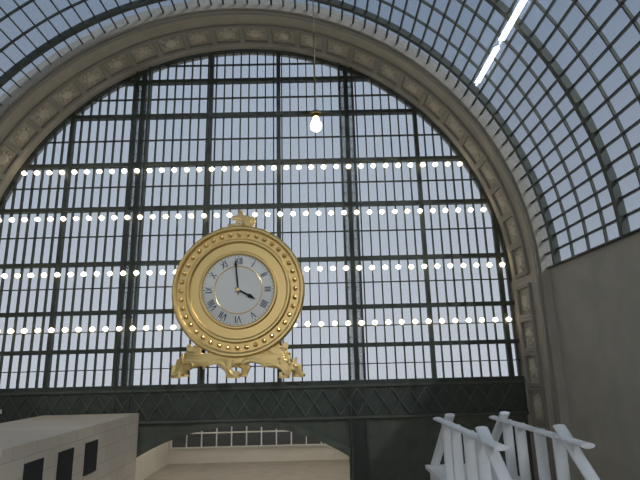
3:59
